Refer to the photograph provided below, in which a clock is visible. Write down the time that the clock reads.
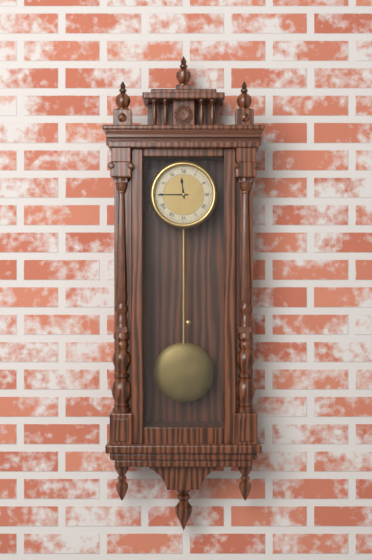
11:45
